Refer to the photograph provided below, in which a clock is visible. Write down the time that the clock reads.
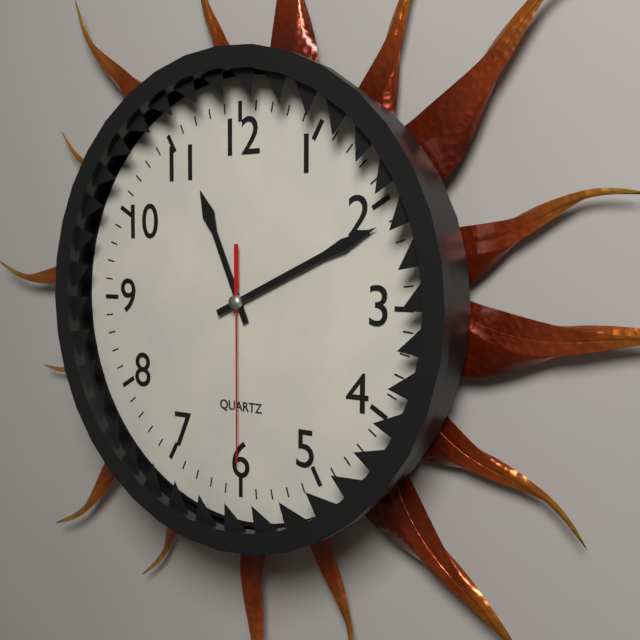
11:11:30
